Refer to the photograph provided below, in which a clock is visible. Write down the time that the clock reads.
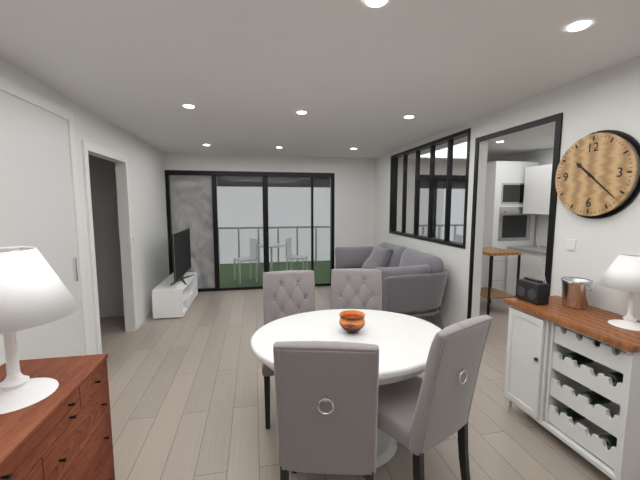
10:22
